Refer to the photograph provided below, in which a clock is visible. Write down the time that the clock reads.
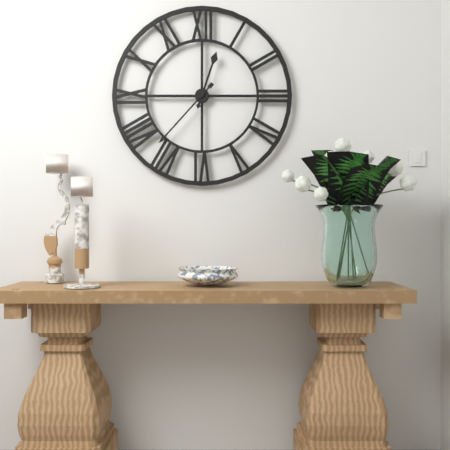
12:37
